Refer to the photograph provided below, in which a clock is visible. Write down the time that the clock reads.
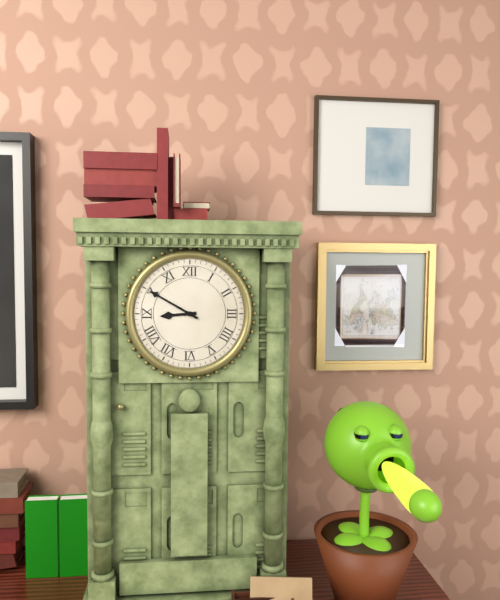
8:50
